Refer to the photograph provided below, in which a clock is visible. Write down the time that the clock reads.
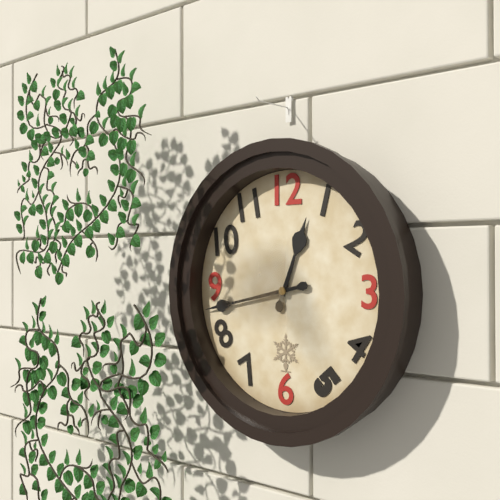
12:43
